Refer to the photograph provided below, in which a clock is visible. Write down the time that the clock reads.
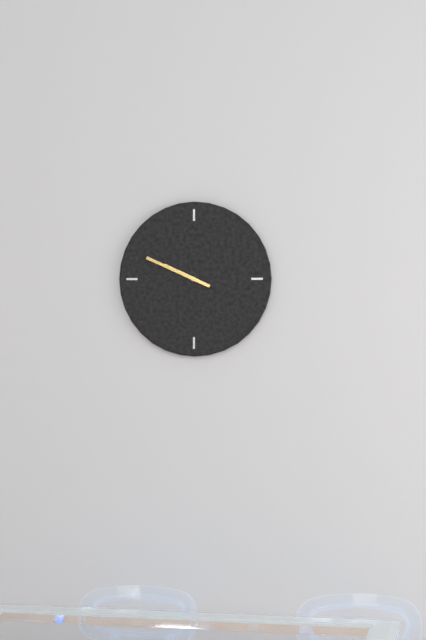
9:49
